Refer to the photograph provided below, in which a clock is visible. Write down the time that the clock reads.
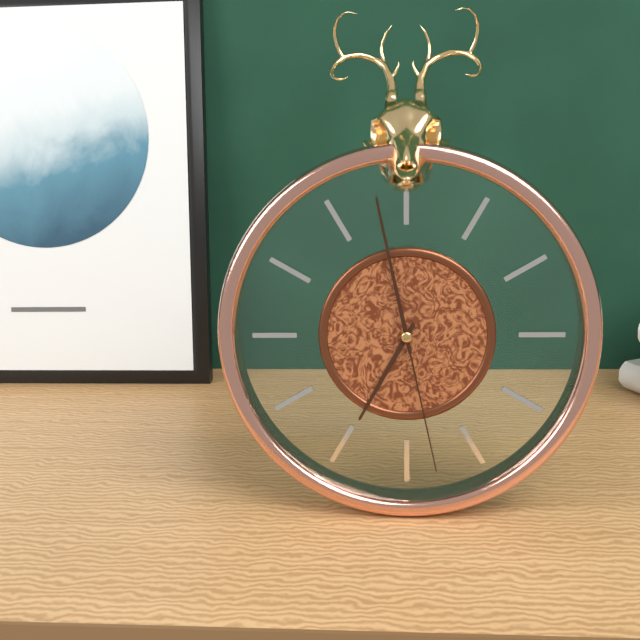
6:58:28
